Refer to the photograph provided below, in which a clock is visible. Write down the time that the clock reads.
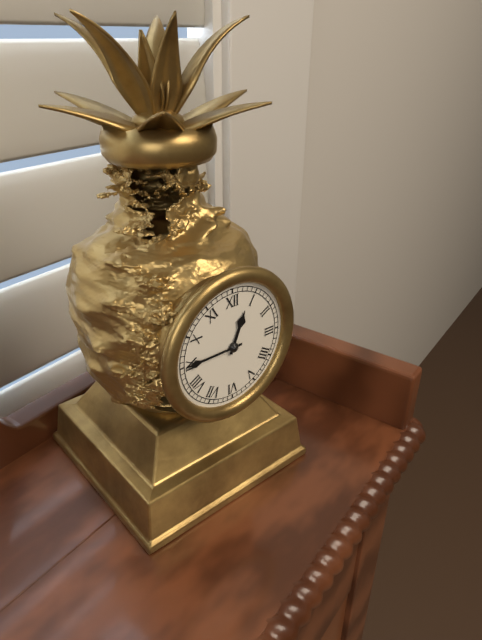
12:45
